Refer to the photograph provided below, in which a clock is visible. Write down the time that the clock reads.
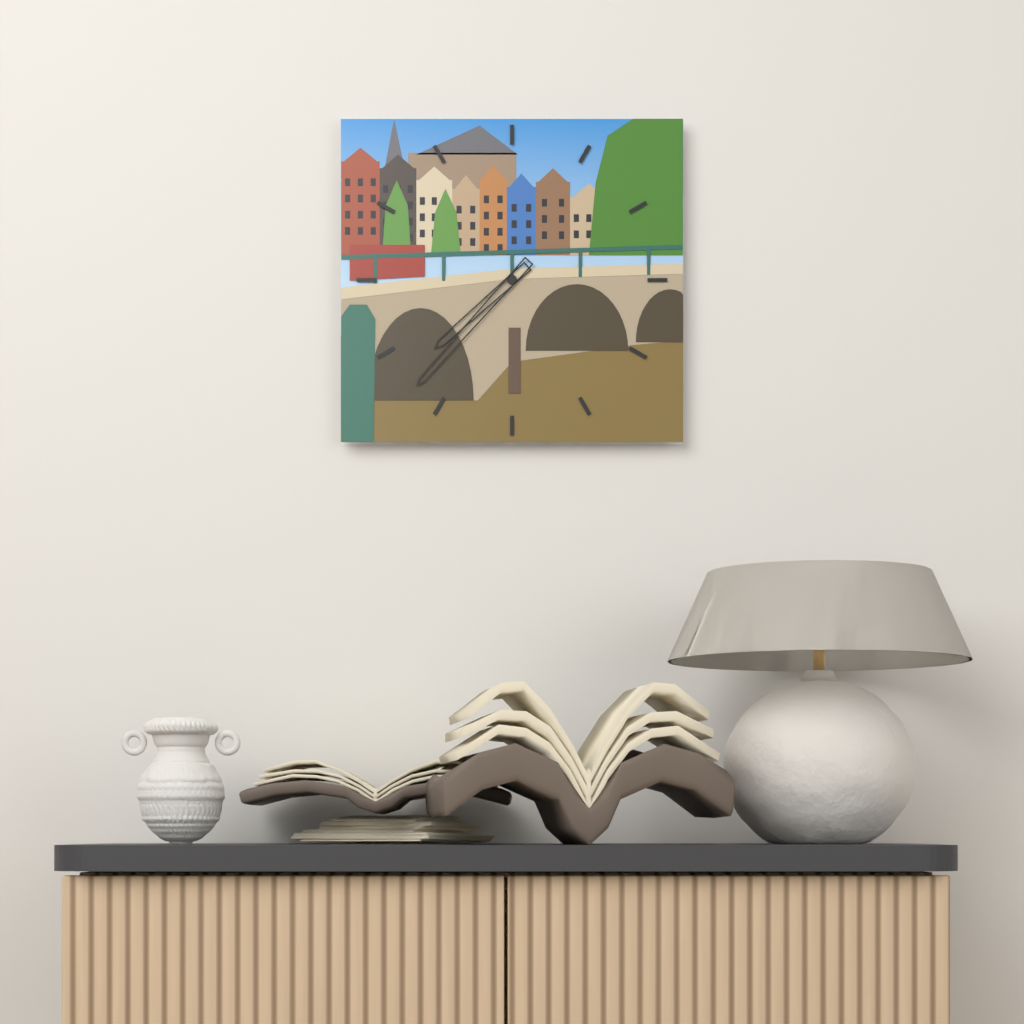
7:37
